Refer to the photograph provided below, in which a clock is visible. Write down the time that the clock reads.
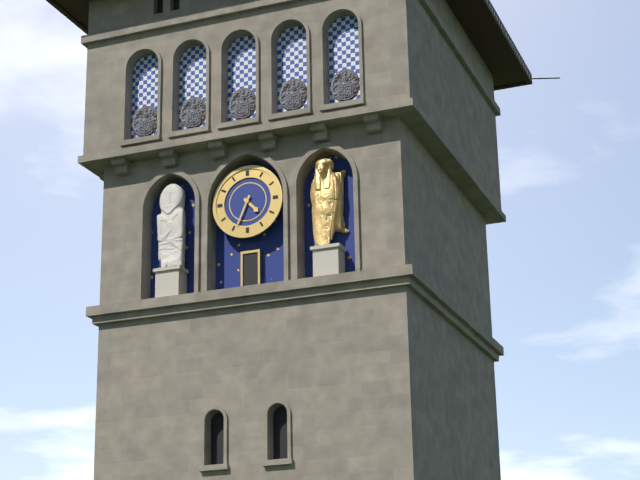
4:34
